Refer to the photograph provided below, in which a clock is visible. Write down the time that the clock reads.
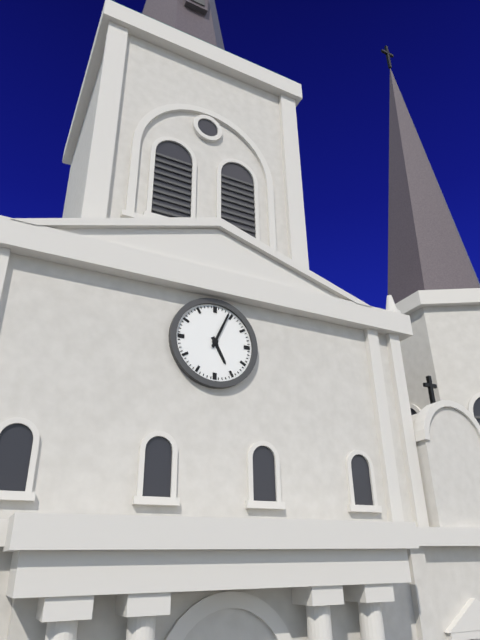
5:04
